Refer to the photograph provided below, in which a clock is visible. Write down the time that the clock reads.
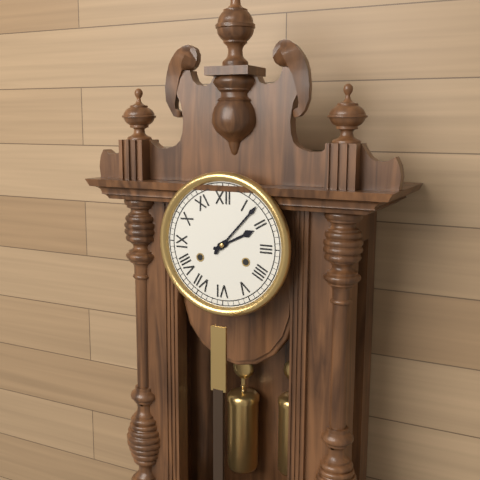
2:07
